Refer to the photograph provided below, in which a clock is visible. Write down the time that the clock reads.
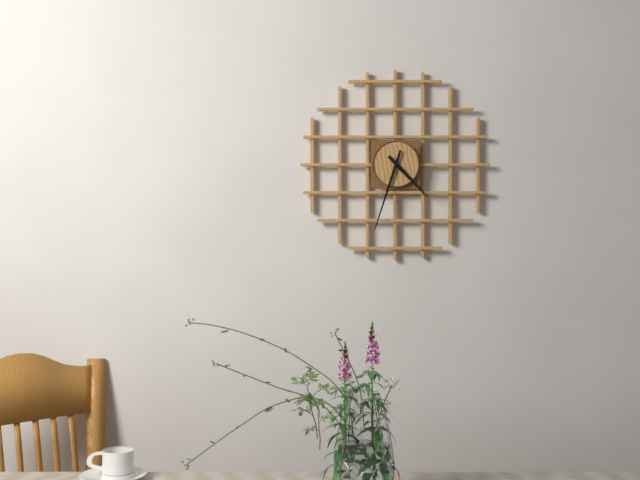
4:33
